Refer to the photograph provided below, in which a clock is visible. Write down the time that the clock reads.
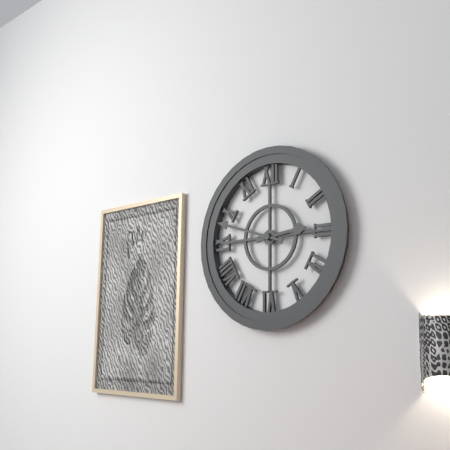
2:48
